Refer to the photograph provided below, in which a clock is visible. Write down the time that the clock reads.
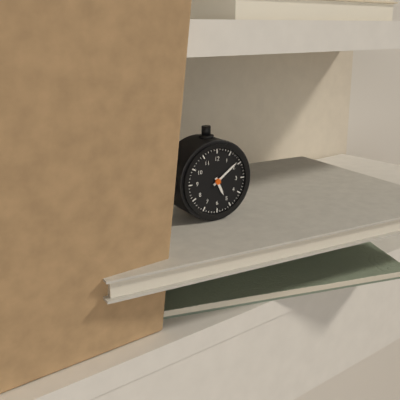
5:09
